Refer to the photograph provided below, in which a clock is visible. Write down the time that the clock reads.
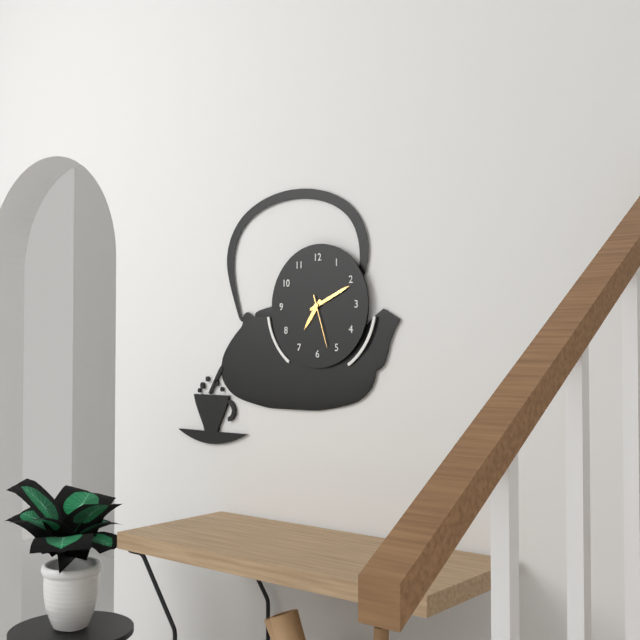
7:11:27
